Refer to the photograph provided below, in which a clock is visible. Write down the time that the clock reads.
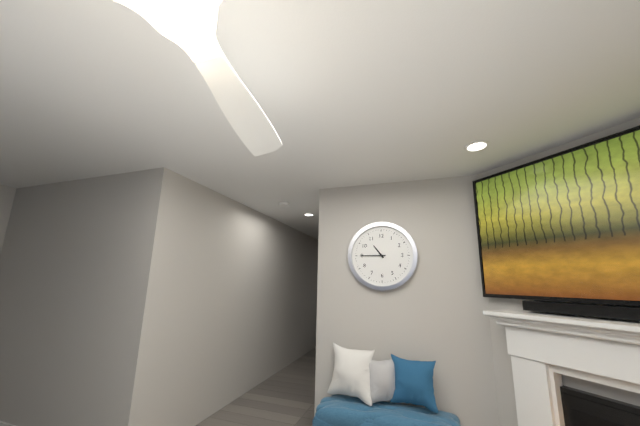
10:45
